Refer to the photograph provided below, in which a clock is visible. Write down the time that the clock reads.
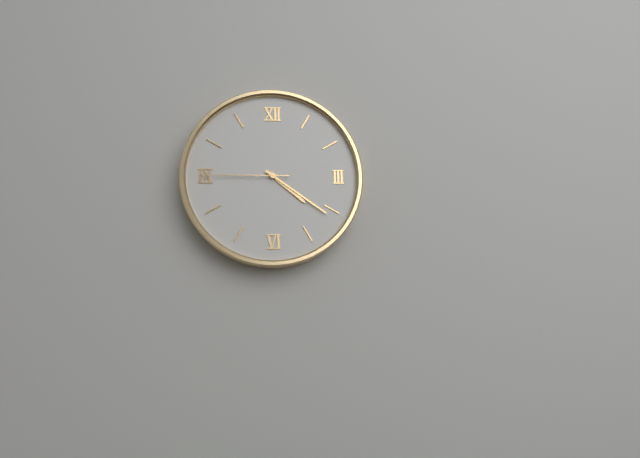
4:21:45
